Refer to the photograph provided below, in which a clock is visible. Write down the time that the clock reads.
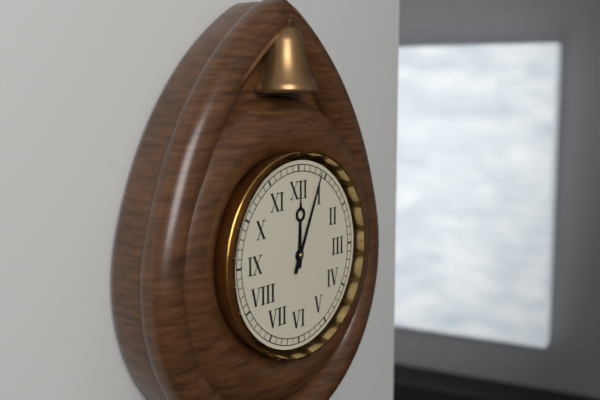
12:04
